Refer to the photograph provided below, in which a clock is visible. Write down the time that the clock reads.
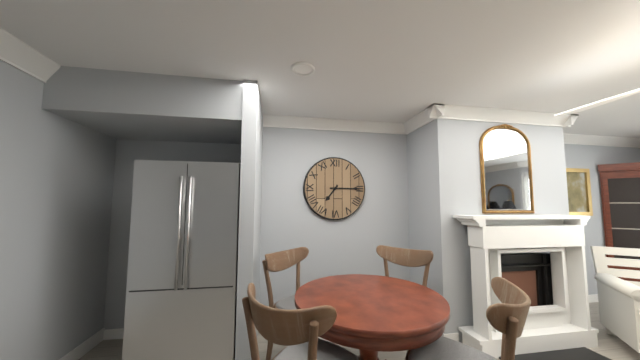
7:15
